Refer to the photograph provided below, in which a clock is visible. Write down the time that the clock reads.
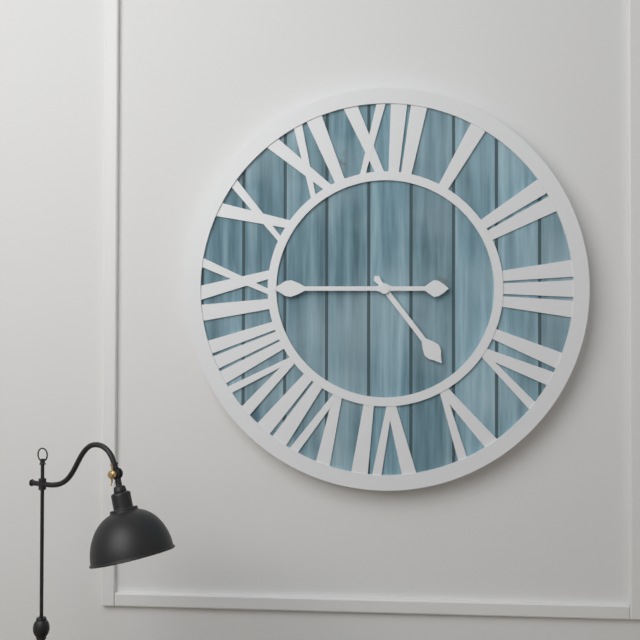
4:45
